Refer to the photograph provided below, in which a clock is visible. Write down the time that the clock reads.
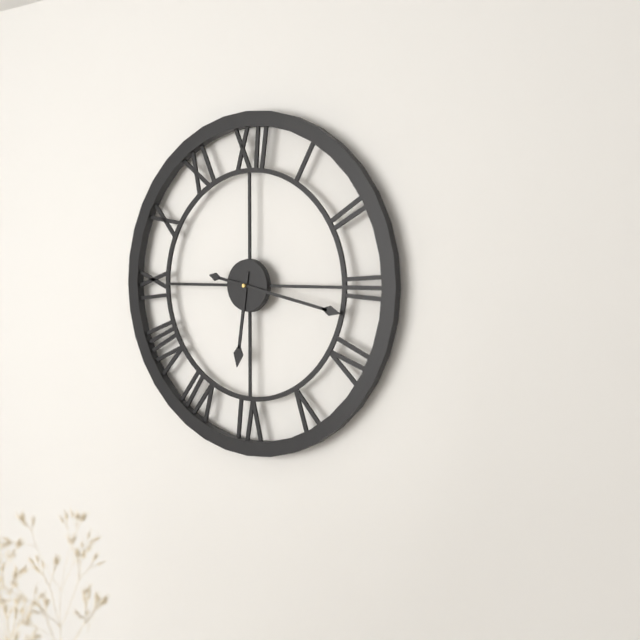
6:17
